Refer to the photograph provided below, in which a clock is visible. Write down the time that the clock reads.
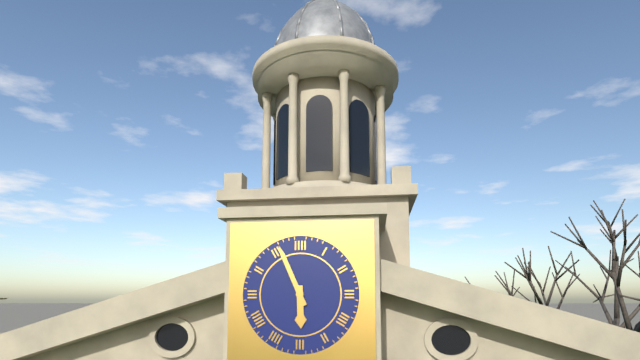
5:56
